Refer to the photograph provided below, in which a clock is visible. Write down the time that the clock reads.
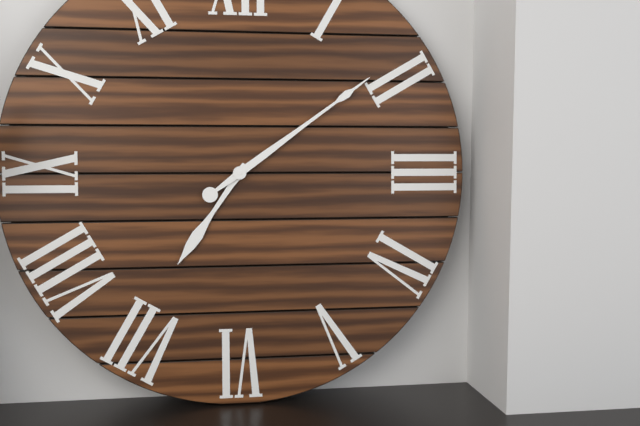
7:09
